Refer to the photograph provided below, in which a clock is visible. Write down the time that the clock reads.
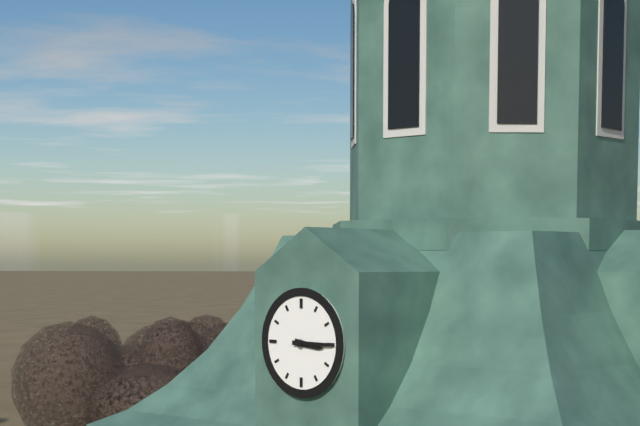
3:15
